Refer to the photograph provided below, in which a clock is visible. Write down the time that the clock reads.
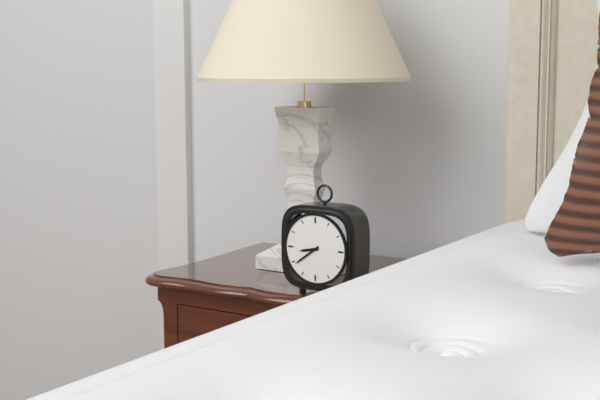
8:39
